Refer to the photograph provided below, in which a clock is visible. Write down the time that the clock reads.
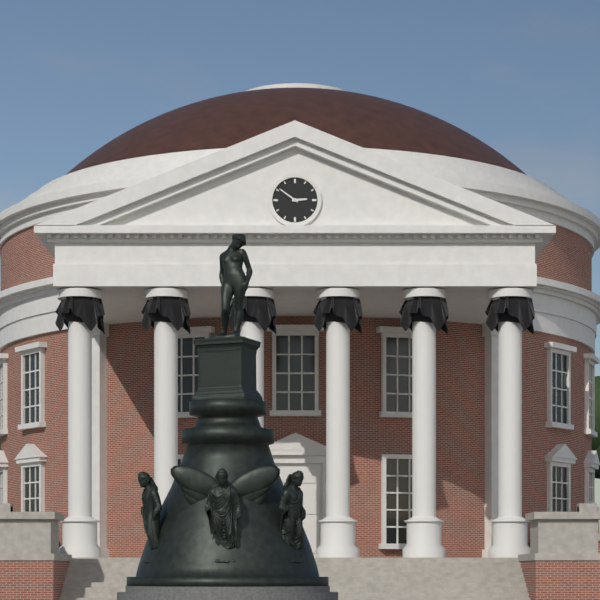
2:51
